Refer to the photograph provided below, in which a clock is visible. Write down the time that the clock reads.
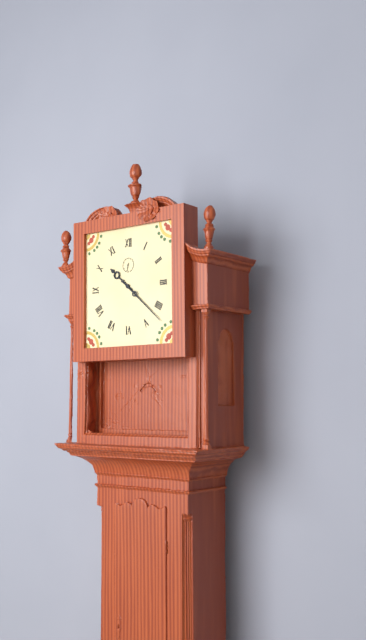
10:22
